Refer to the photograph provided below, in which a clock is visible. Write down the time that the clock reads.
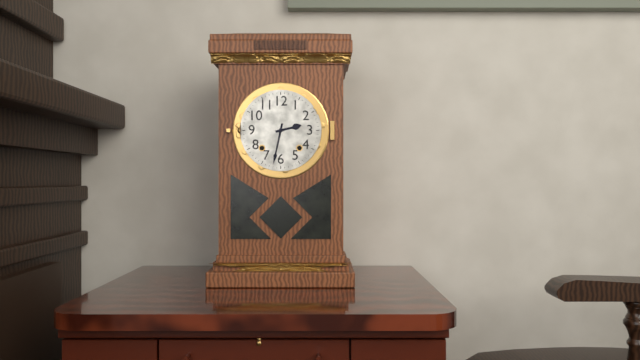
2:32
